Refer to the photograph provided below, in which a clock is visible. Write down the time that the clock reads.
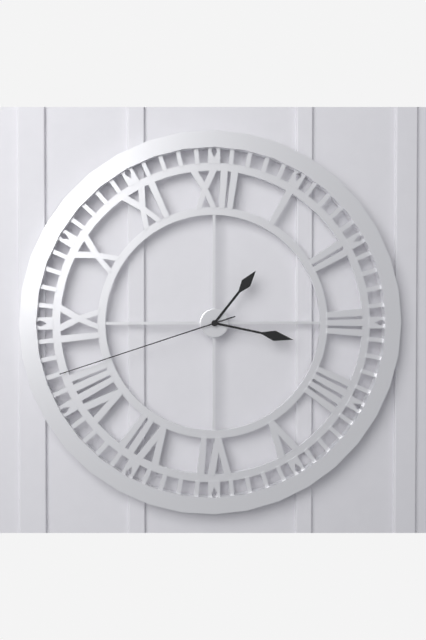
1:17:42
